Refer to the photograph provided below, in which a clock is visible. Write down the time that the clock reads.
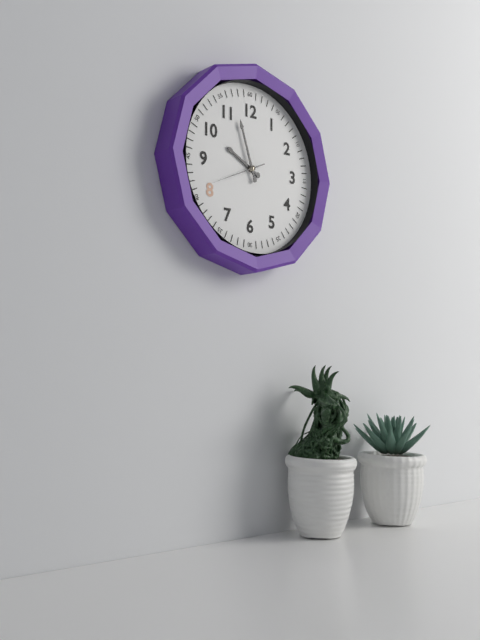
9:57
